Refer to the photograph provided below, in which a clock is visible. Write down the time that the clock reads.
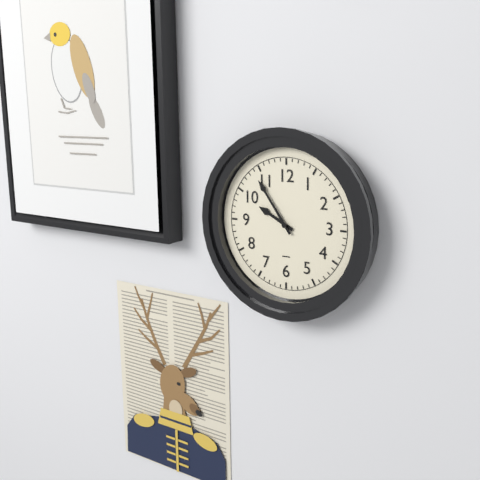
9:54
